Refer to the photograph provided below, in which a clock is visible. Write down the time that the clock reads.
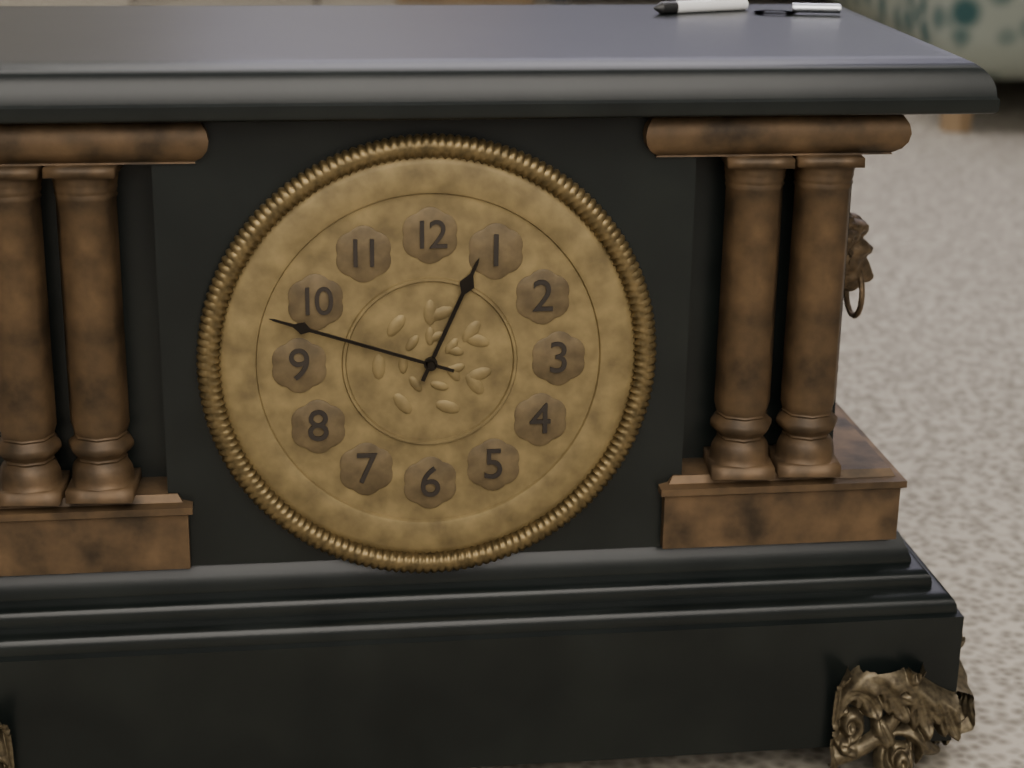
12:48
